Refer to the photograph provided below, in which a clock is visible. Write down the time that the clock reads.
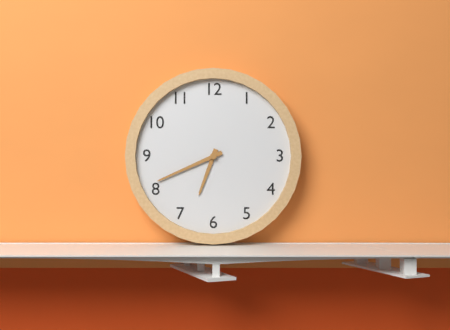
6:41
